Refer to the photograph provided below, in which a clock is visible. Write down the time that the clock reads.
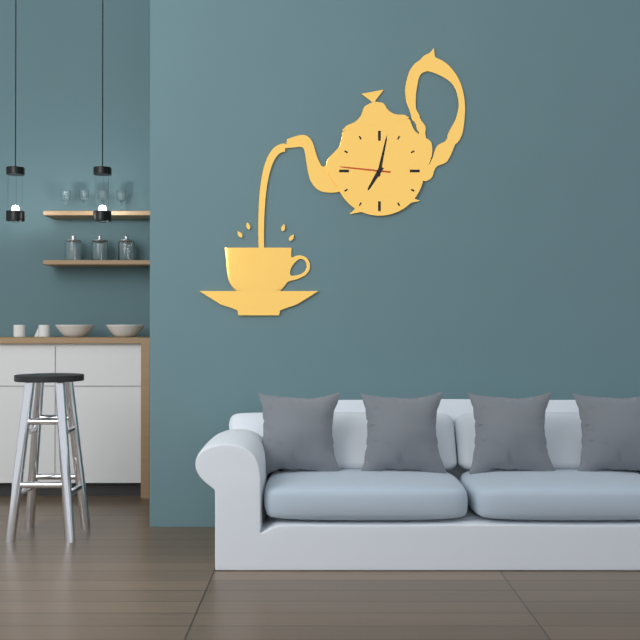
7:02:46
